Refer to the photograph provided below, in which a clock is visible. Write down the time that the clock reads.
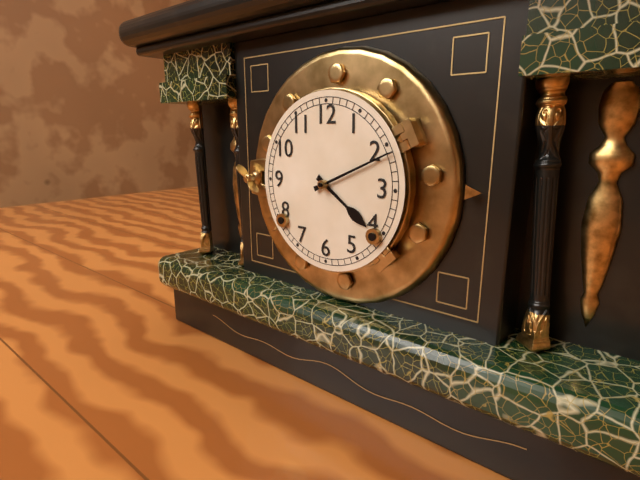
4:11
